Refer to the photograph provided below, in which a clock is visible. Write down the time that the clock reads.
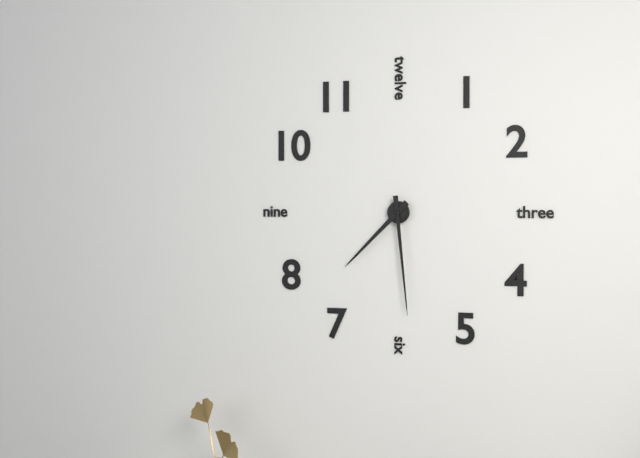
7:29
